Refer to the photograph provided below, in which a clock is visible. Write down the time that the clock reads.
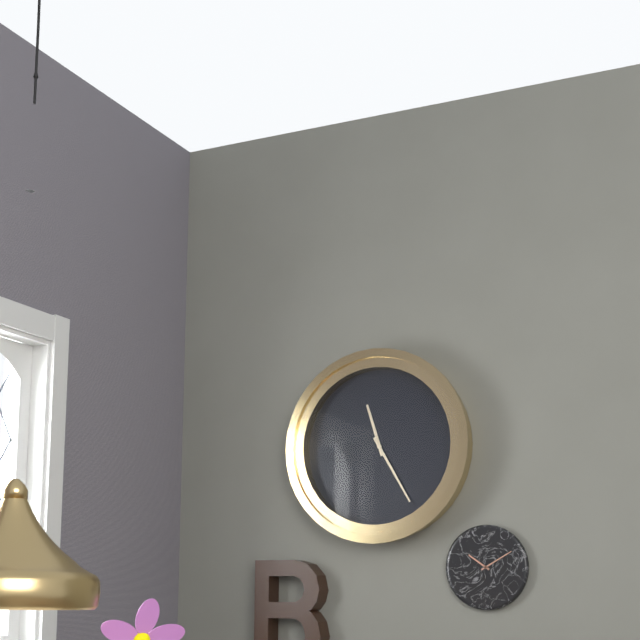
11:25
